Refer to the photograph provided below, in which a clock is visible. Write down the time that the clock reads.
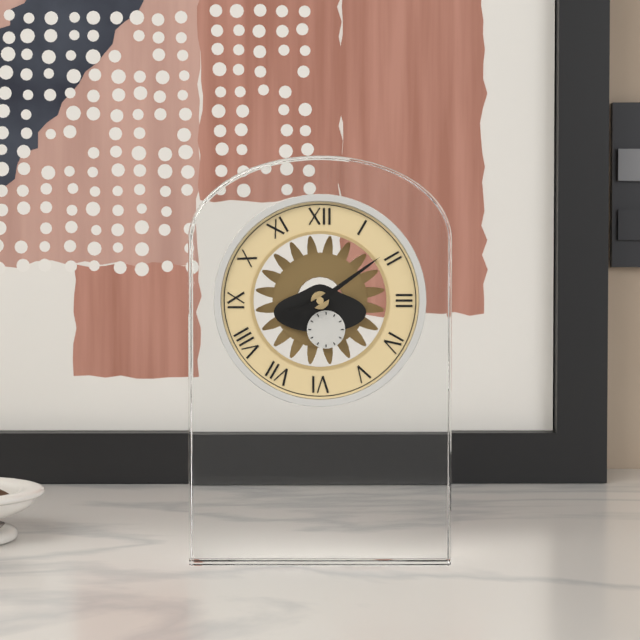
8:09
